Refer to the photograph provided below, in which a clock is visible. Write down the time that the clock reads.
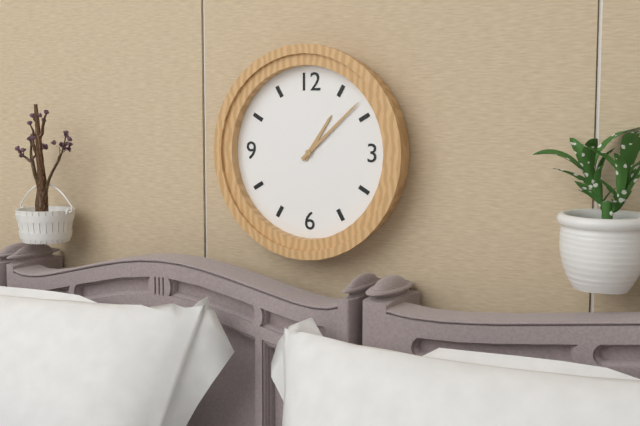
1:08
